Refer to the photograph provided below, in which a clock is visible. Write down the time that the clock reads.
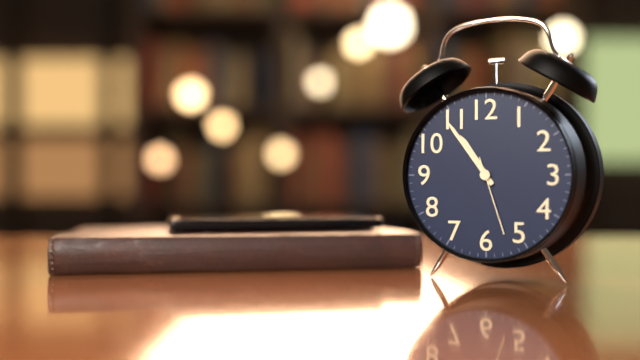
10:54:27
